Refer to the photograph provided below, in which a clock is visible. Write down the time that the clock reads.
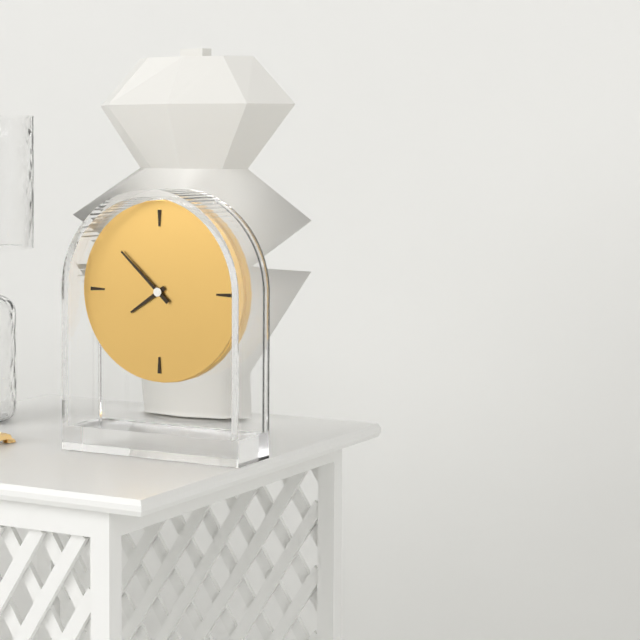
7:52
